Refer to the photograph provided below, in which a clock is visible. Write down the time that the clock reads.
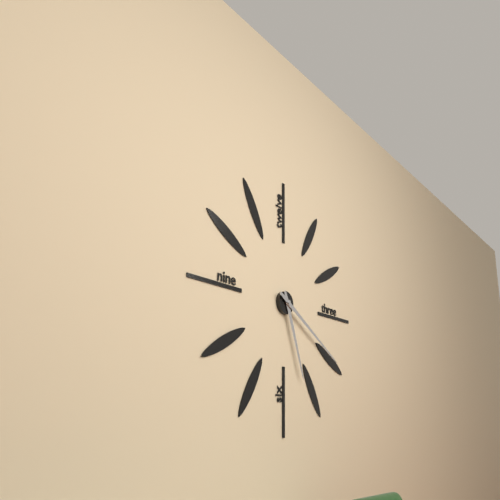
5:20
